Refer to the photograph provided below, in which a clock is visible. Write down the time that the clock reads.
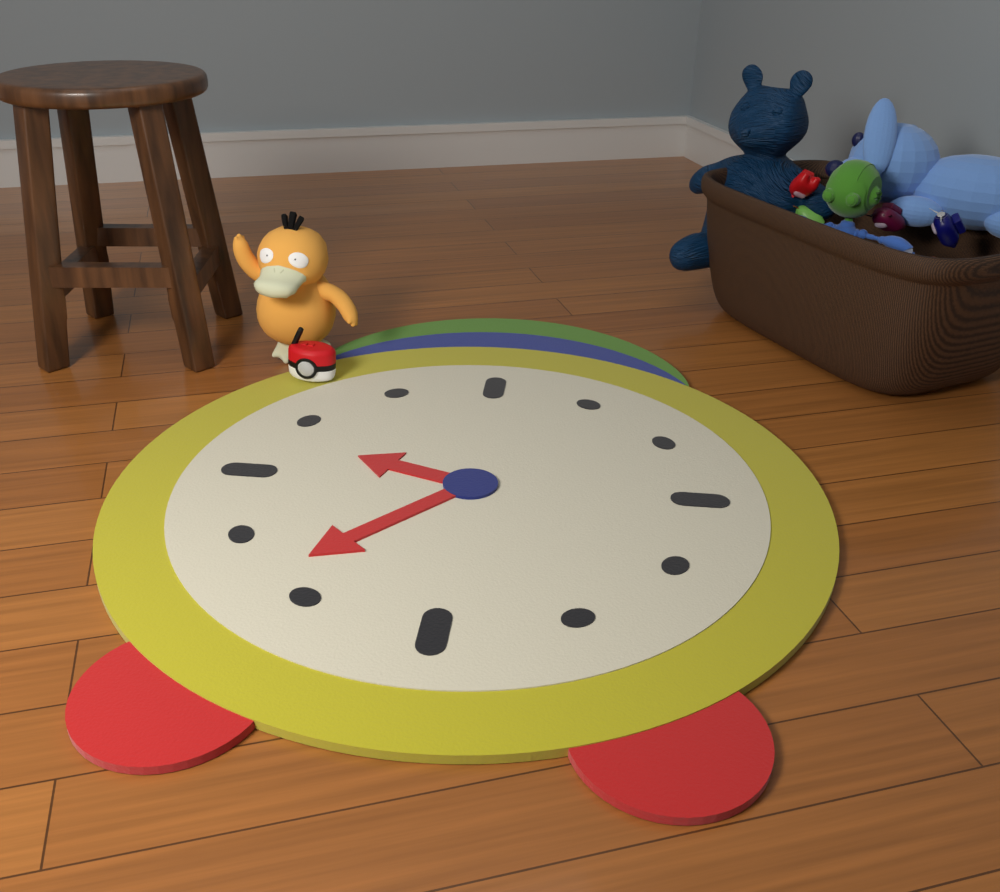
9:37
